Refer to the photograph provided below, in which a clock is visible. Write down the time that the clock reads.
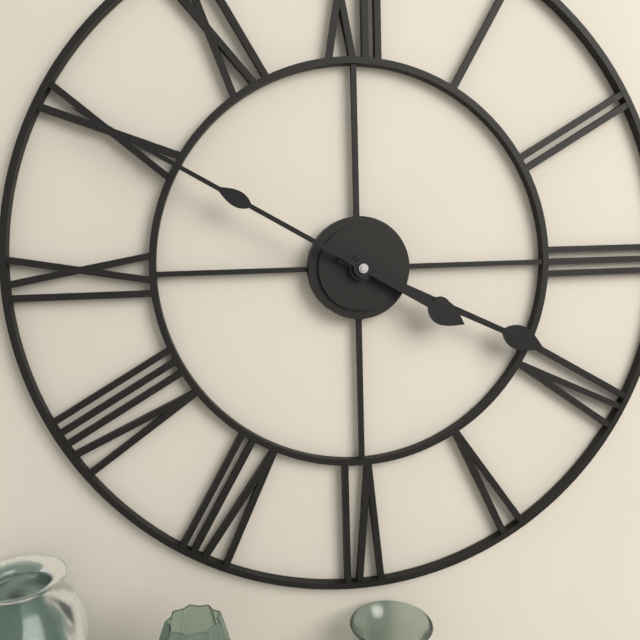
3:50
